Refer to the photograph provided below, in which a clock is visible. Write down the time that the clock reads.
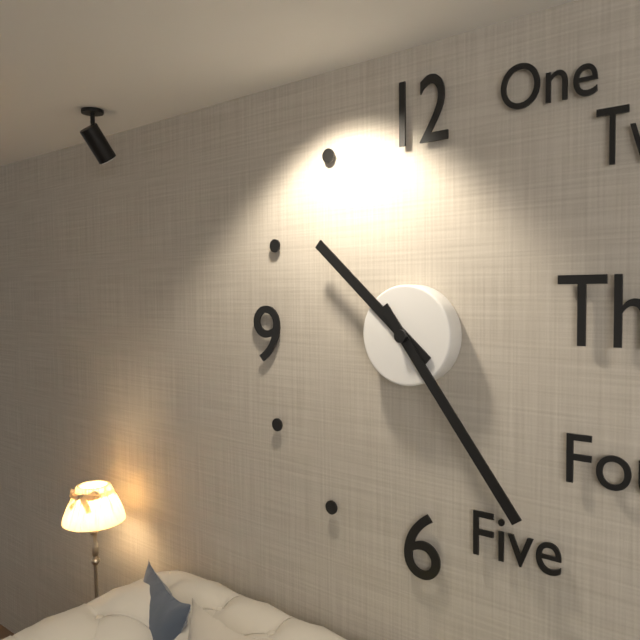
10:24
